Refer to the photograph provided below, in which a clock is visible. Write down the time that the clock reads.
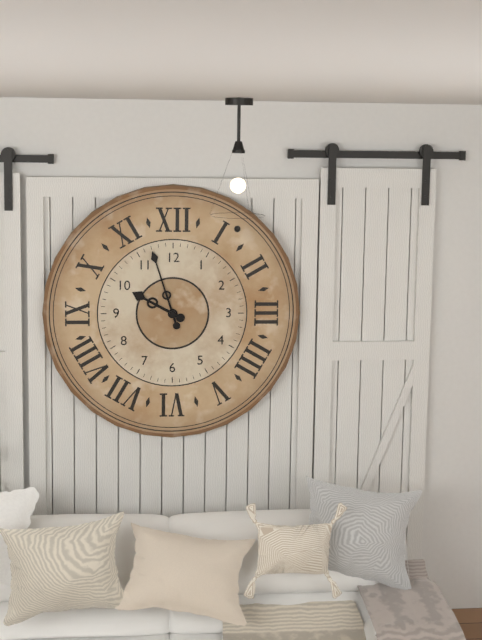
9:57
